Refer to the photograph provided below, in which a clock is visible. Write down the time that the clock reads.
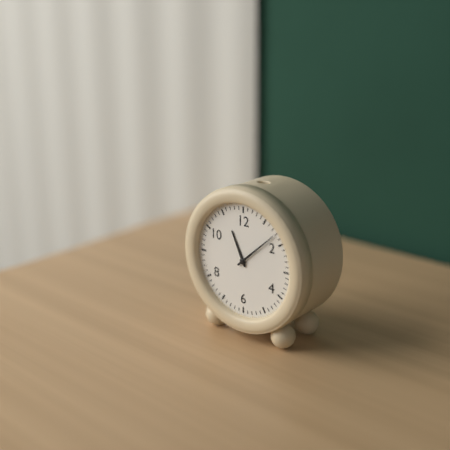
11:08
